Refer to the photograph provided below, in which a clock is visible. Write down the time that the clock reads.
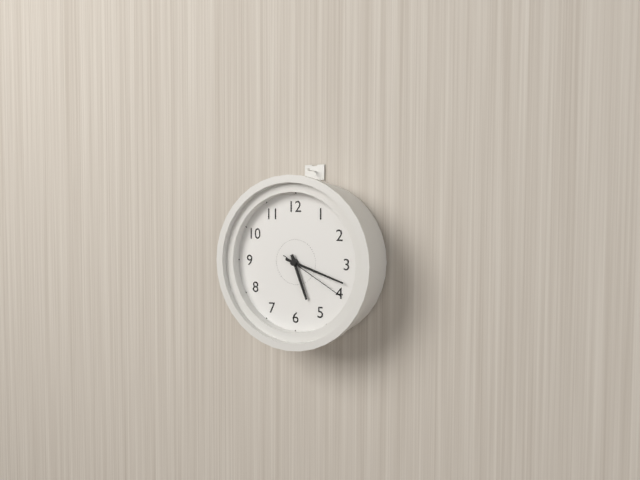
5:18:20
